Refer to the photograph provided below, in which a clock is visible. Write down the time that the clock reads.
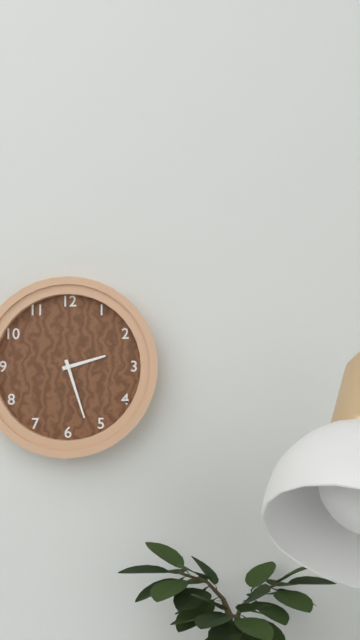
2:27
